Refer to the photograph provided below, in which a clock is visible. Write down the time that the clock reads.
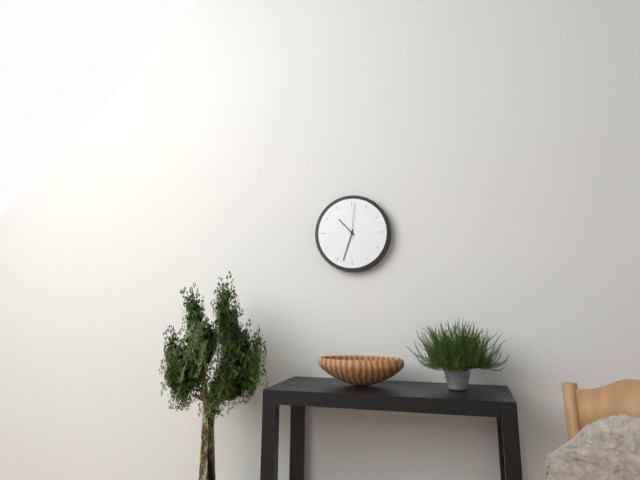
10:33
